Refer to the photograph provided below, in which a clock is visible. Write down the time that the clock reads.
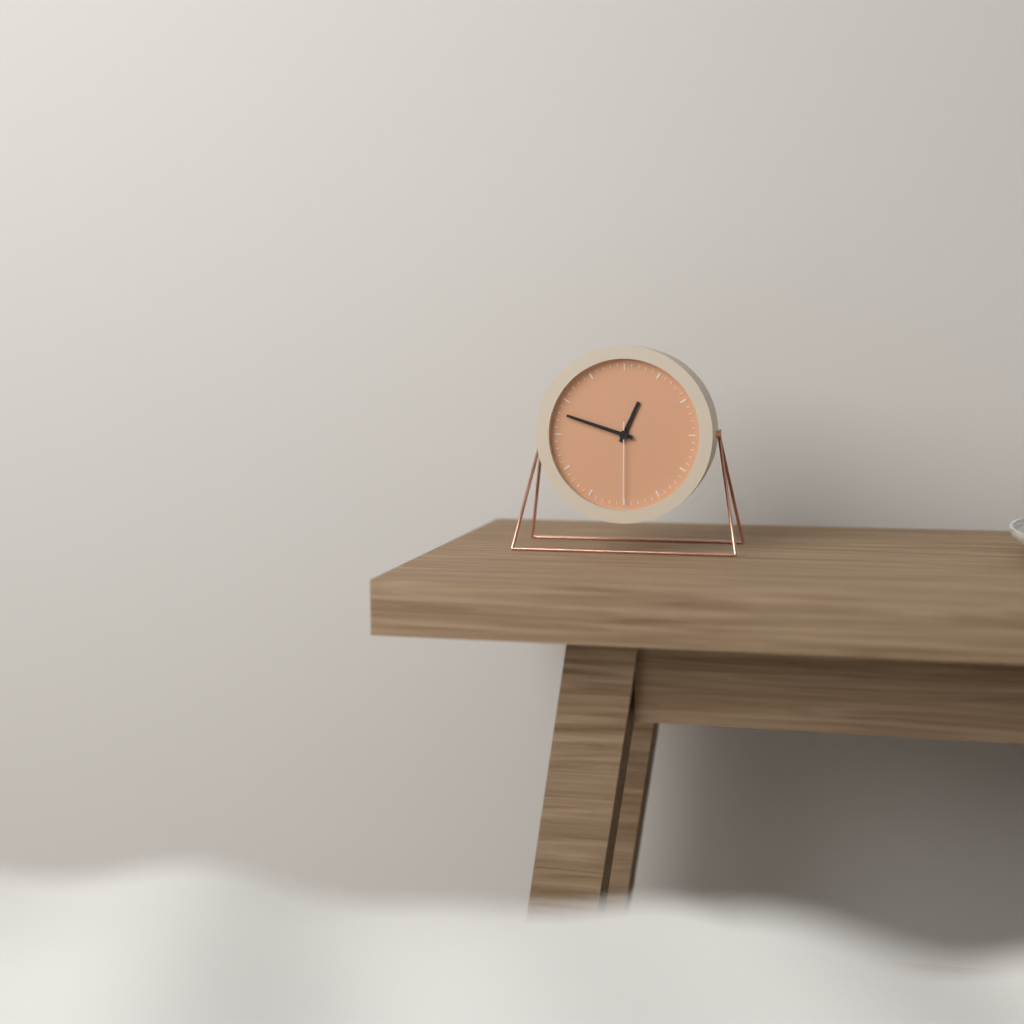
12:48:30
